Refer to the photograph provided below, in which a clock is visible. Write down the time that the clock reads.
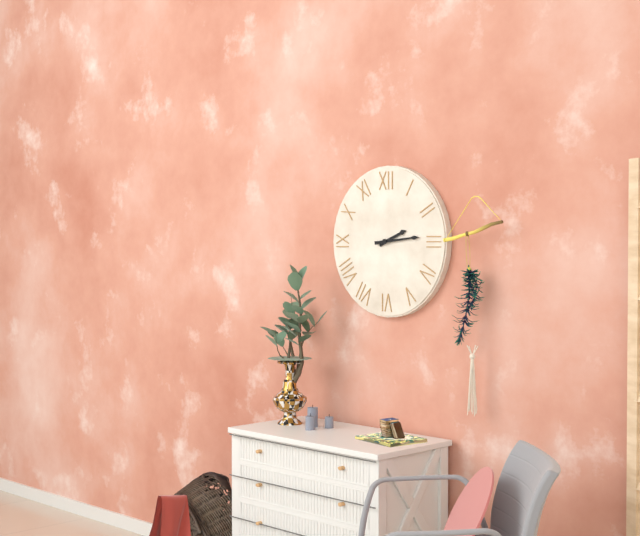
2:14
